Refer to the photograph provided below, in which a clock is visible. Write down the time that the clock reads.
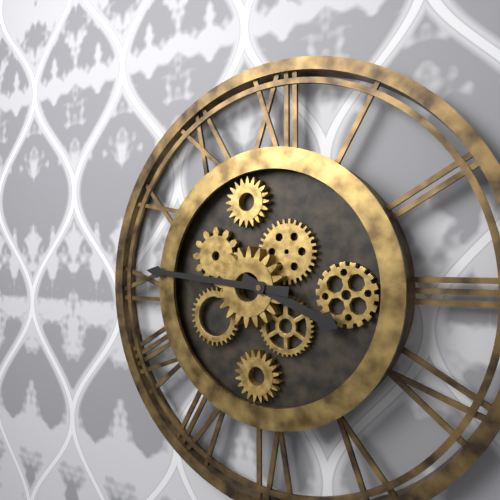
3:46
